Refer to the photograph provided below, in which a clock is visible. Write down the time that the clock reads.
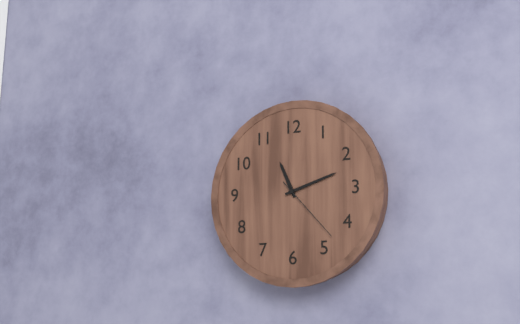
11:12:23
